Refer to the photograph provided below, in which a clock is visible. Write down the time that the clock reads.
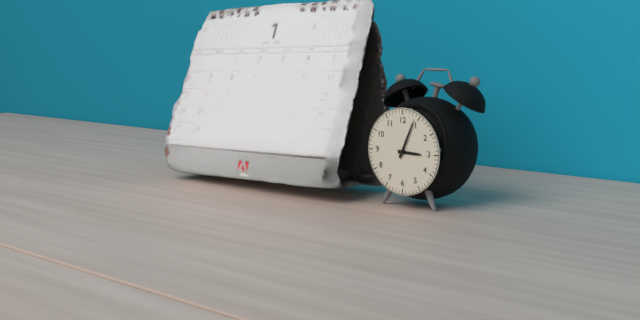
3:04
